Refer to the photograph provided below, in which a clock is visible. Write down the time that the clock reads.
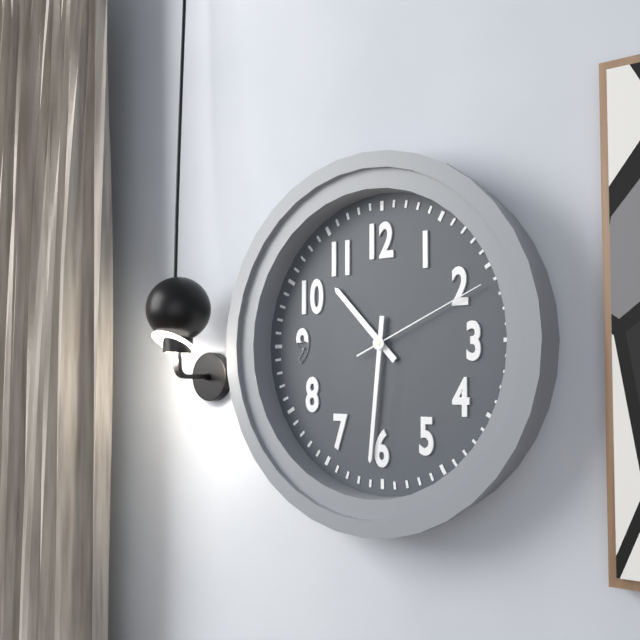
10:31:11
